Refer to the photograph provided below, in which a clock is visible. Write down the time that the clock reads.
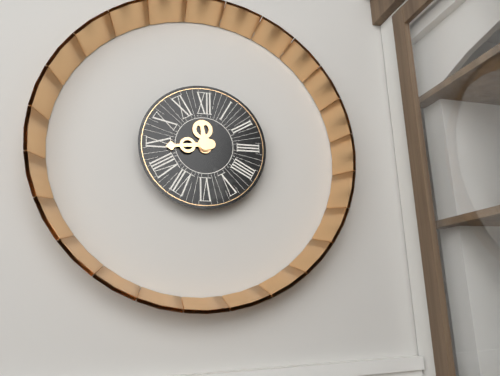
11:44
